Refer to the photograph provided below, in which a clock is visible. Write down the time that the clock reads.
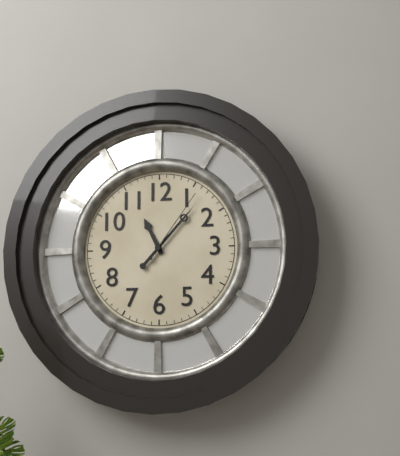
11:07:06
